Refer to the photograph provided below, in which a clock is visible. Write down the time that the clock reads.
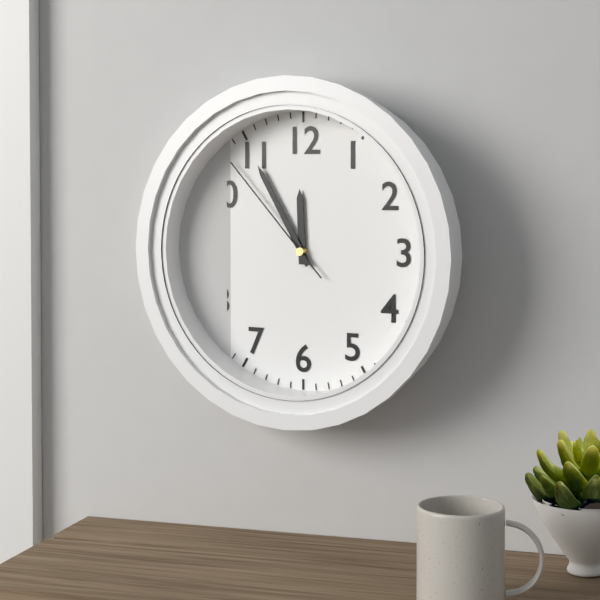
11:55:53
